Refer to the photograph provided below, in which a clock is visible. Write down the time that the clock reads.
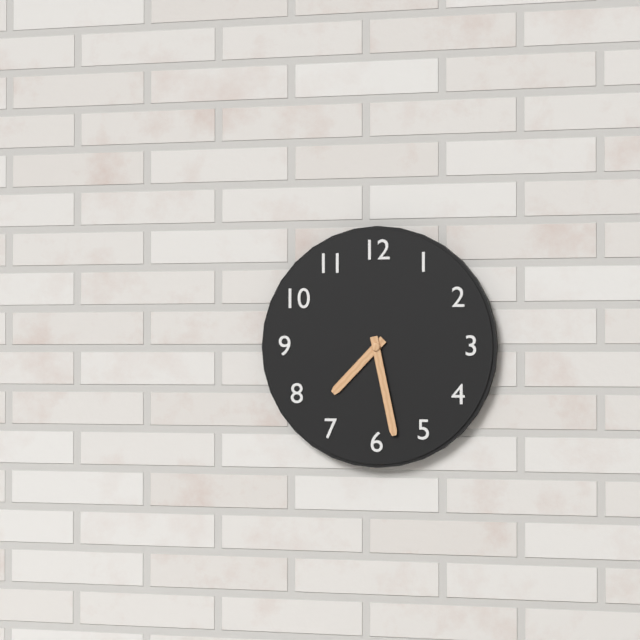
7:28
